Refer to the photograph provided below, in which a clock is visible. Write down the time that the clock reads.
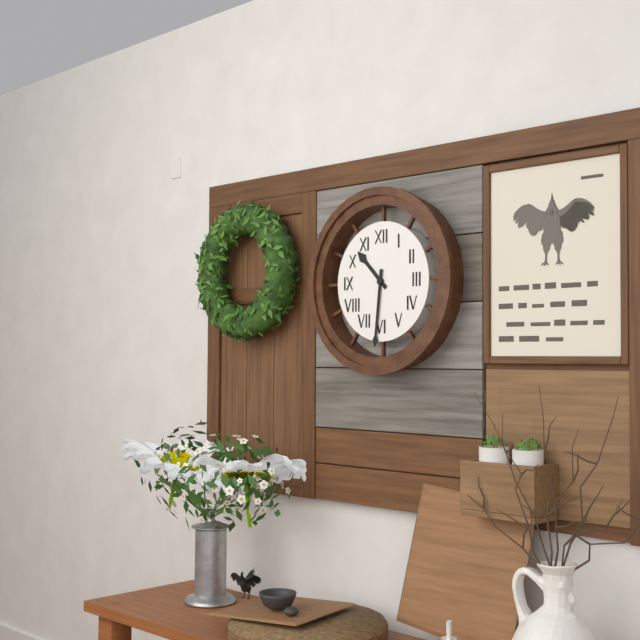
10:31
